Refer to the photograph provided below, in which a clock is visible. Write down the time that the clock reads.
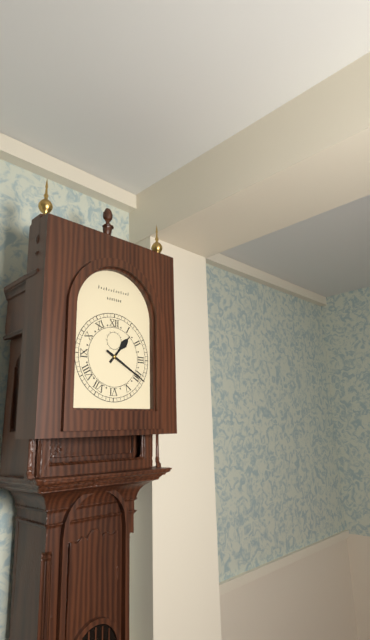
1:20
